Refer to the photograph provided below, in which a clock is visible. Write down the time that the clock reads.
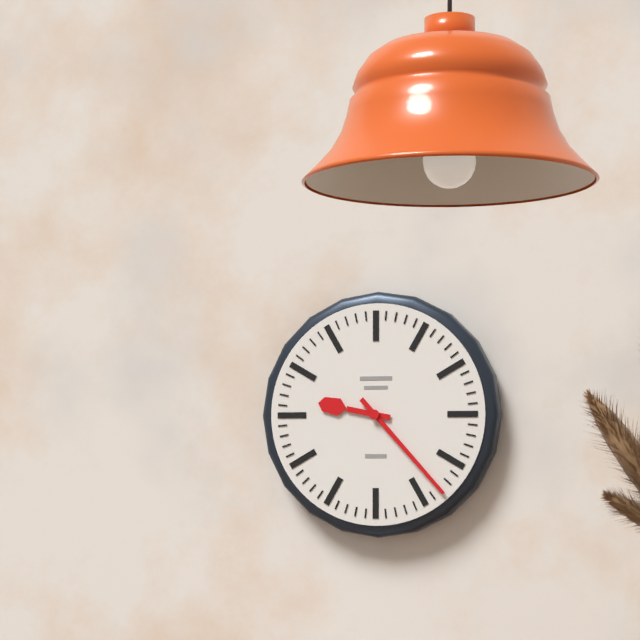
9:23
